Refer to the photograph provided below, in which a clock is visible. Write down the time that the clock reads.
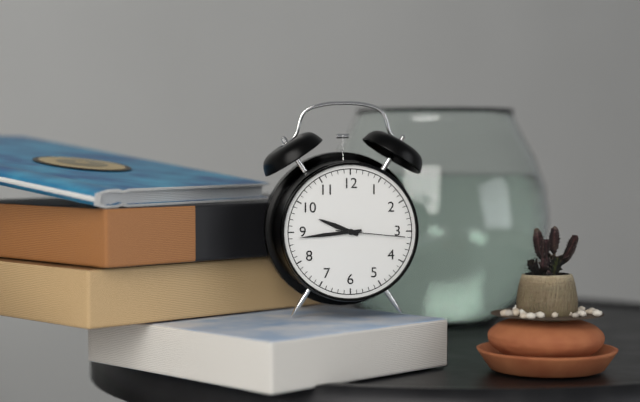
9:44:16
